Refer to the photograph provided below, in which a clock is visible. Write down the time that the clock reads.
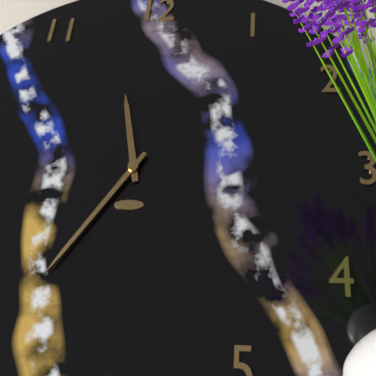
11:35
